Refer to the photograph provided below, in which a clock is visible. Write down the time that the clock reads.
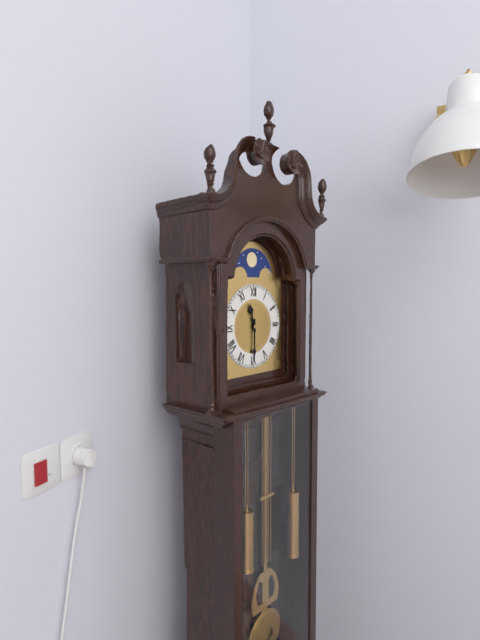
11:30
